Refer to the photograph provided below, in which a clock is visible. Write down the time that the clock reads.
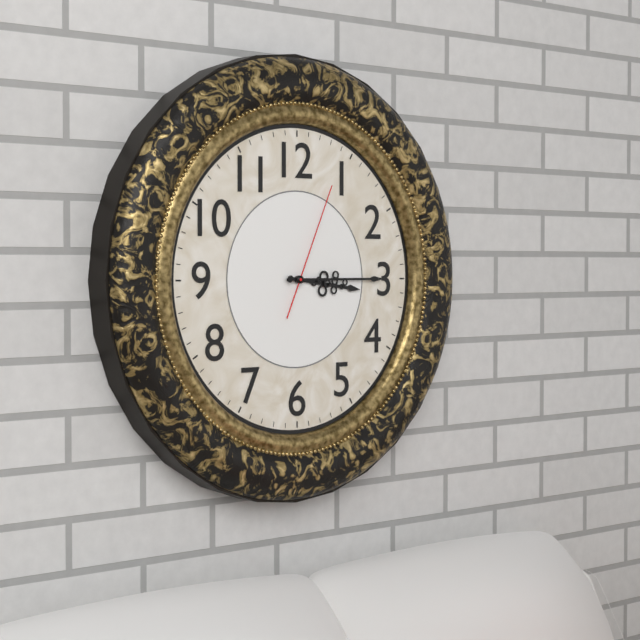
3:15:04
